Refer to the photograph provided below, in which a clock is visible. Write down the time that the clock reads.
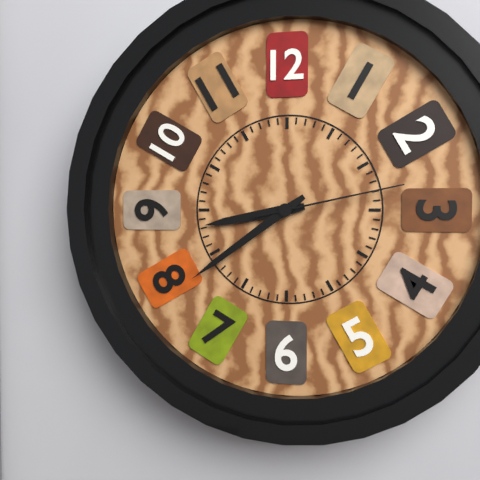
8:39:13
